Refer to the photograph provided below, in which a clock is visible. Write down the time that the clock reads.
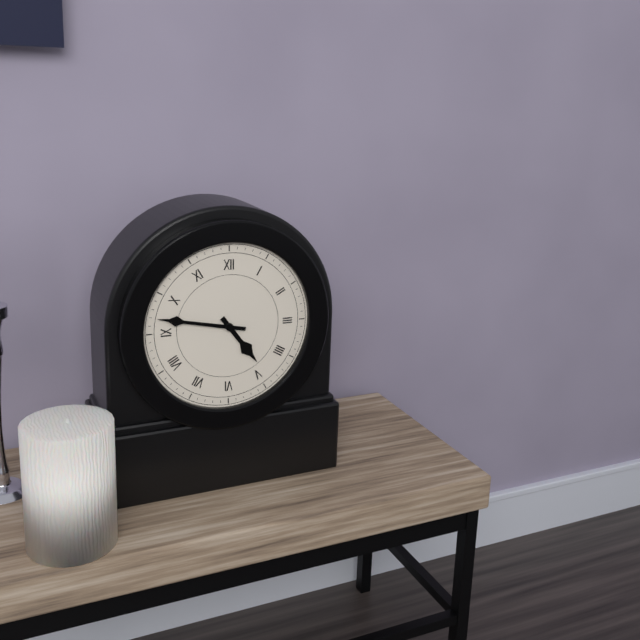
4:47
